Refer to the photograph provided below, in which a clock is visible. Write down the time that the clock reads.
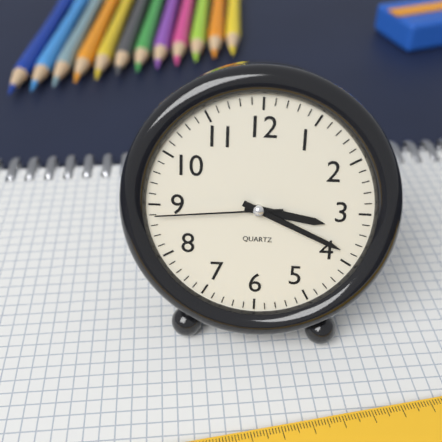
3:19:44
